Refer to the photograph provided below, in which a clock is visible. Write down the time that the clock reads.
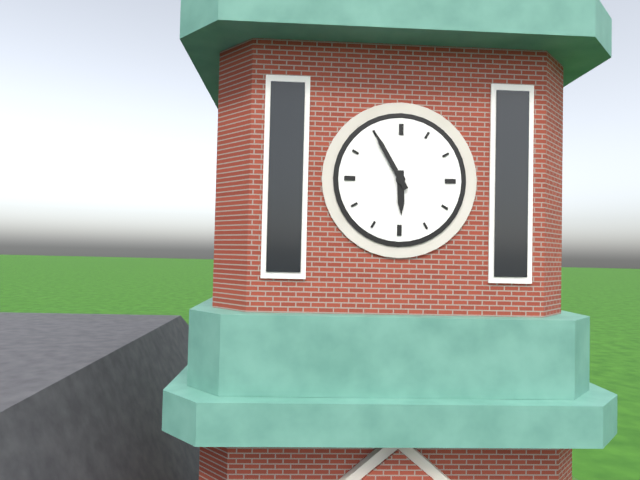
5:55
